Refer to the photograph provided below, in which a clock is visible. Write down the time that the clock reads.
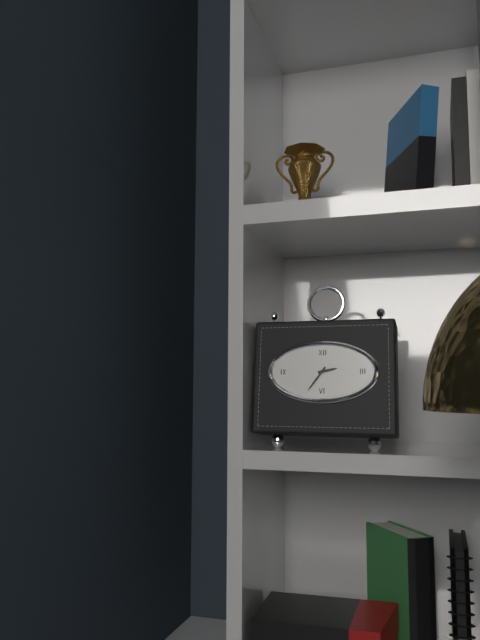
2:36
